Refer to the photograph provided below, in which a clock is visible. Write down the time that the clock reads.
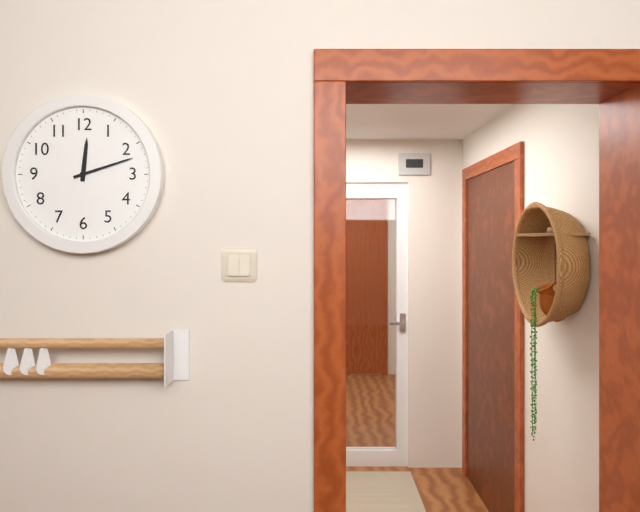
12:12
